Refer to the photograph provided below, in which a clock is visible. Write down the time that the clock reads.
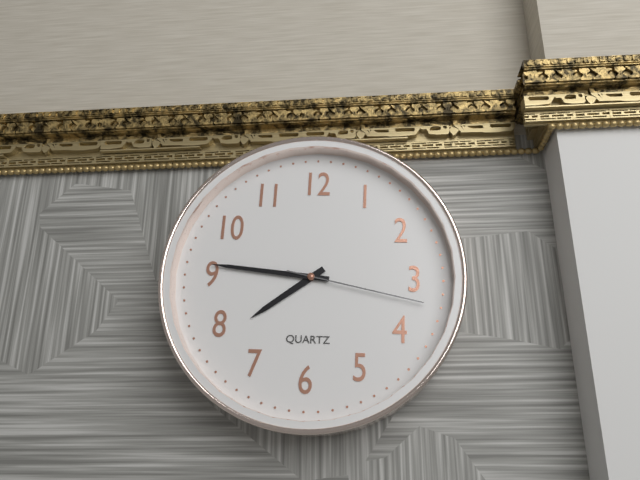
7:46:17
